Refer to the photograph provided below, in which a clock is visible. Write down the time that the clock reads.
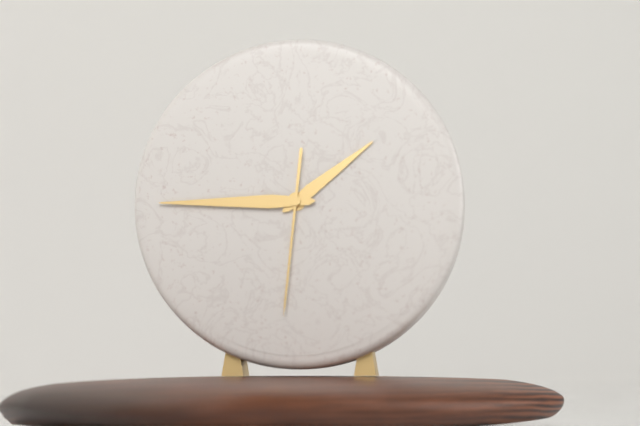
1:45:31
